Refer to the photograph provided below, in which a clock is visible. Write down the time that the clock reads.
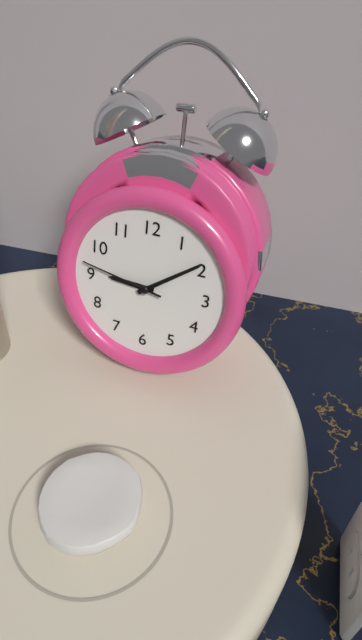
9:09:47
